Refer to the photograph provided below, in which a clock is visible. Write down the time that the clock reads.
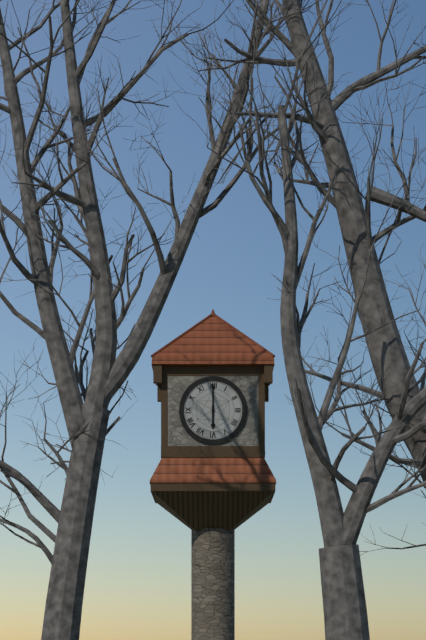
6:00
